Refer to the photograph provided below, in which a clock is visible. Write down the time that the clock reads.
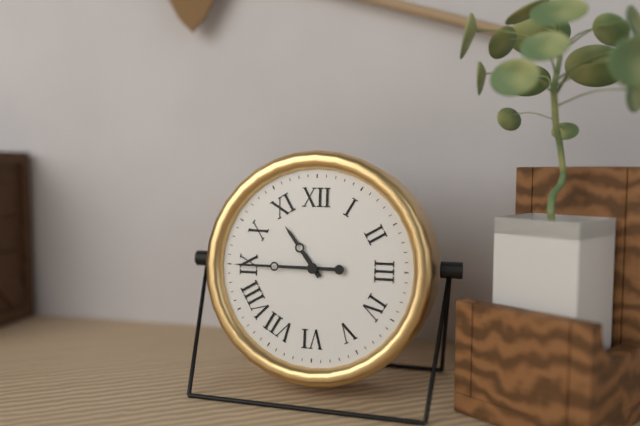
10:45
